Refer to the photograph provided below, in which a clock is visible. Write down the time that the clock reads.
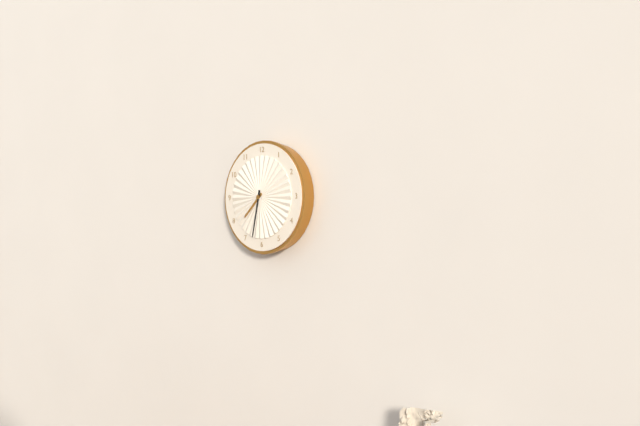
7:32
